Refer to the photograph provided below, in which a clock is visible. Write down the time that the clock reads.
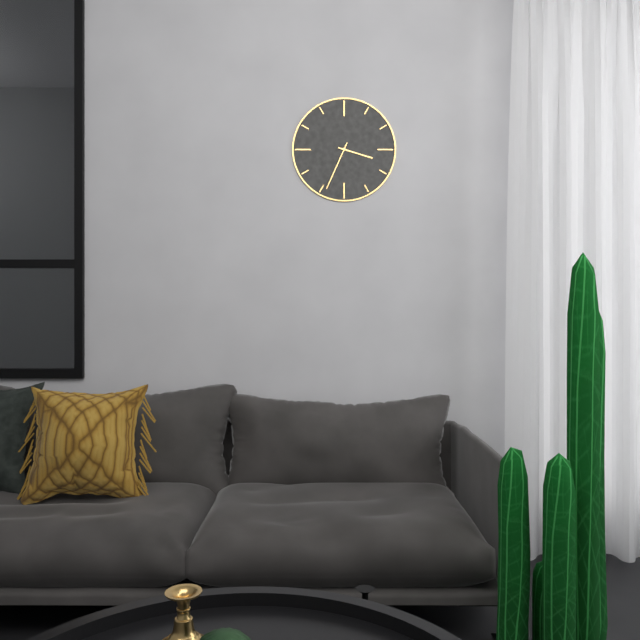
3:34
